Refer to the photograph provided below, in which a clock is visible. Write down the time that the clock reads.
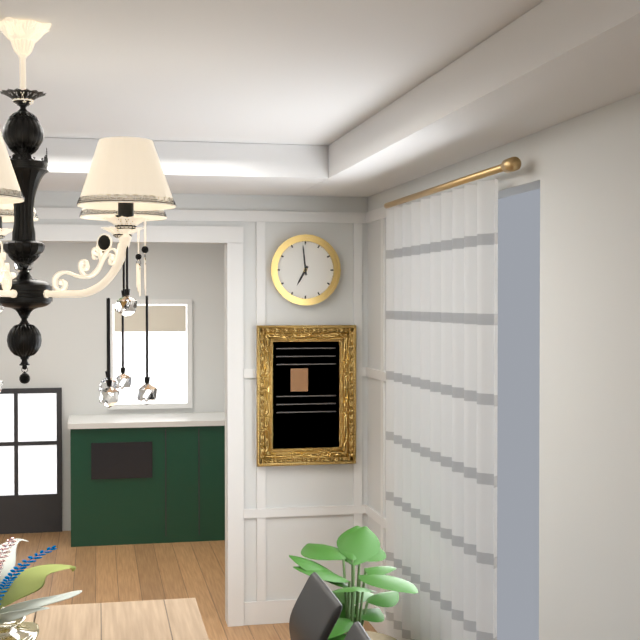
6:59
